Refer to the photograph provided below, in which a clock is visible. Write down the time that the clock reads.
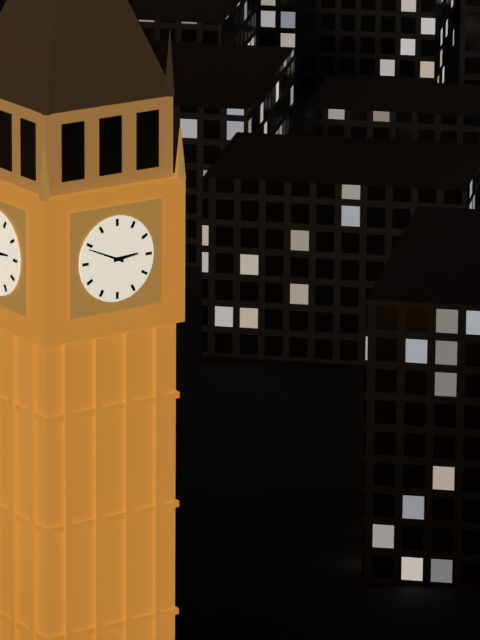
2:49
